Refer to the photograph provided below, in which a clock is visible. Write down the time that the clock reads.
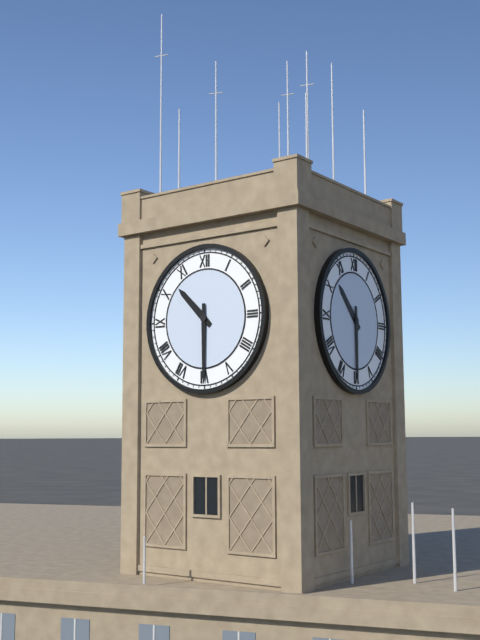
10:30
